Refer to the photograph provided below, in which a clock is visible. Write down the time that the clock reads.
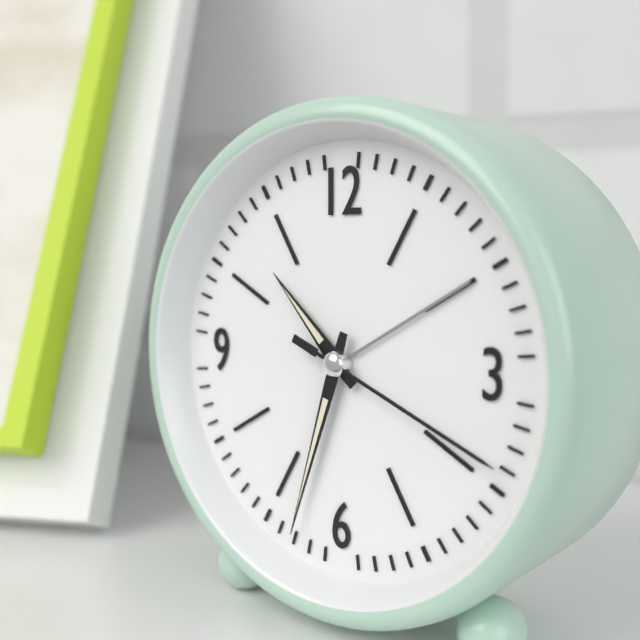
10:33:19
